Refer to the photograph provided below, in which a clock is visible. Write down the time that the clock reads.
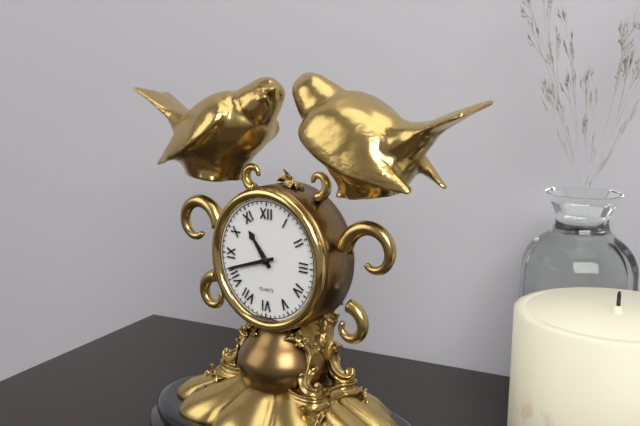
10:42
